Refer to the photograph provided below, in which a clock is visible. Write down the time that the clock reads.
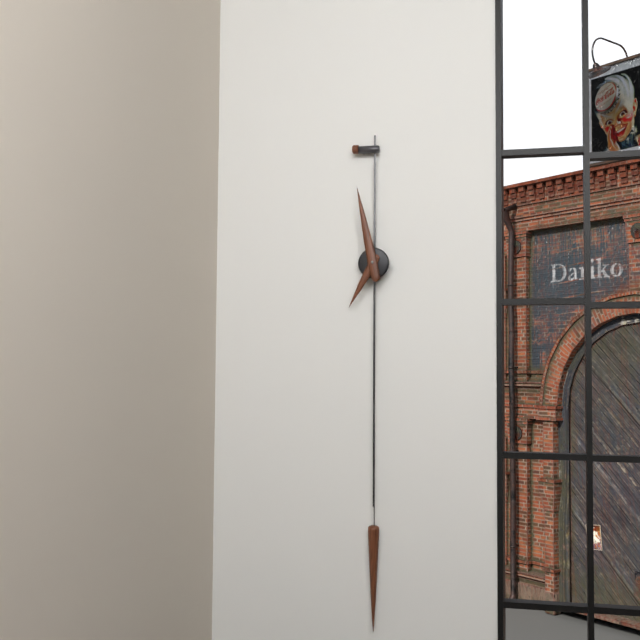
6:58
